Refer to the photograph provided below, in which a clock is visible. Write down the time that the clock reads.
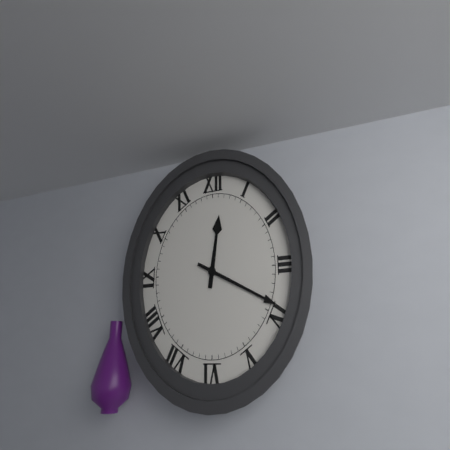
12:19
